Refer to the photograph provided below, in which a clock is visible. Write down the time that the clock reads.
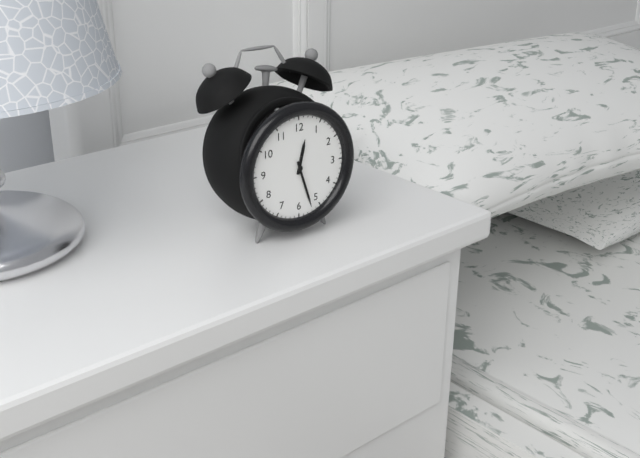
12:27
